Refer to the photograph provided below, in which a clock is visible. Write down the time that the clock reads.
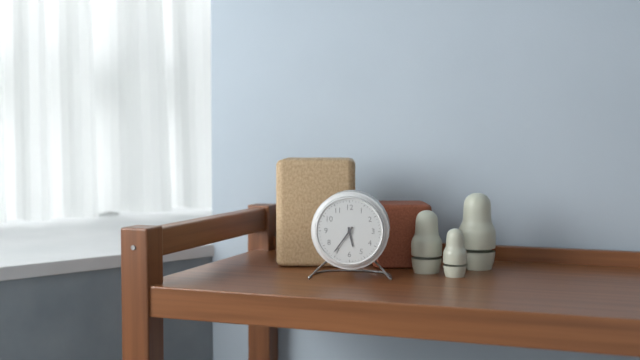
5:36
